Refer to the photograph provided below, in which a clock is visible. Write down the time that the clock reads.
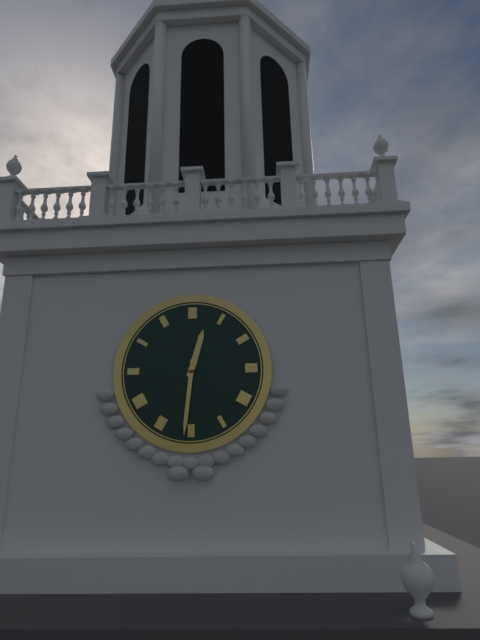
12:31
